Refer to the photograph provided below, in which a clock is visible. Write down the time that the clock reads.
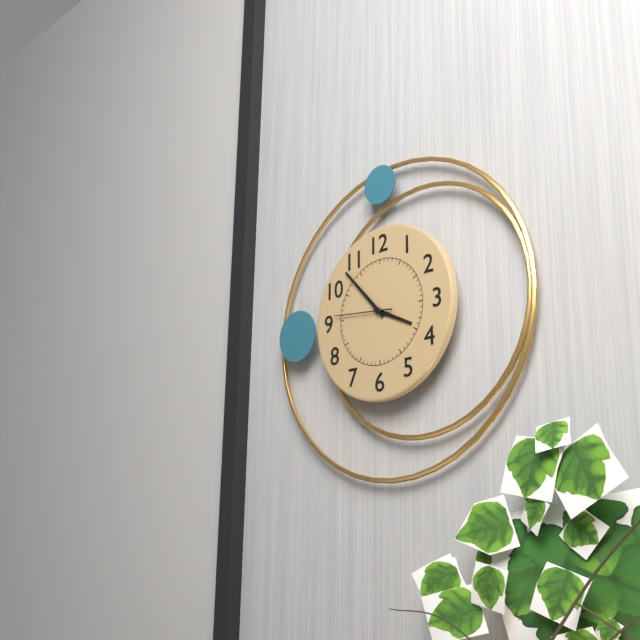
3:53:46
